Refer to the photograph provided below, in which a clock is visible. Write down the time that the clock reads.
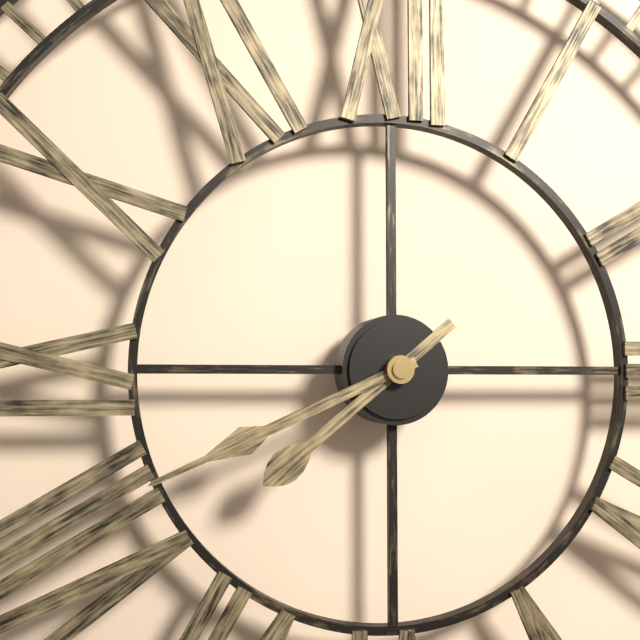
7:41
